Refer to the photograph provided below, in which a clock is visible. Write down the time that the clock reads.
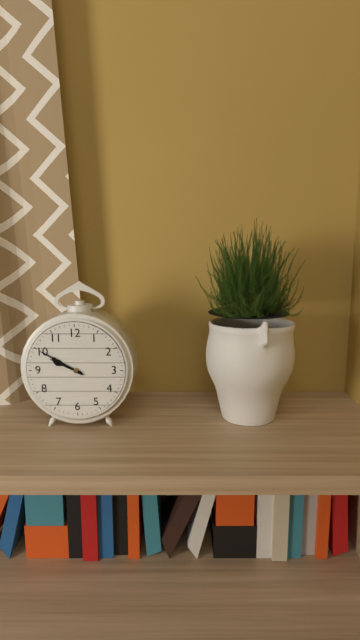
9:50
